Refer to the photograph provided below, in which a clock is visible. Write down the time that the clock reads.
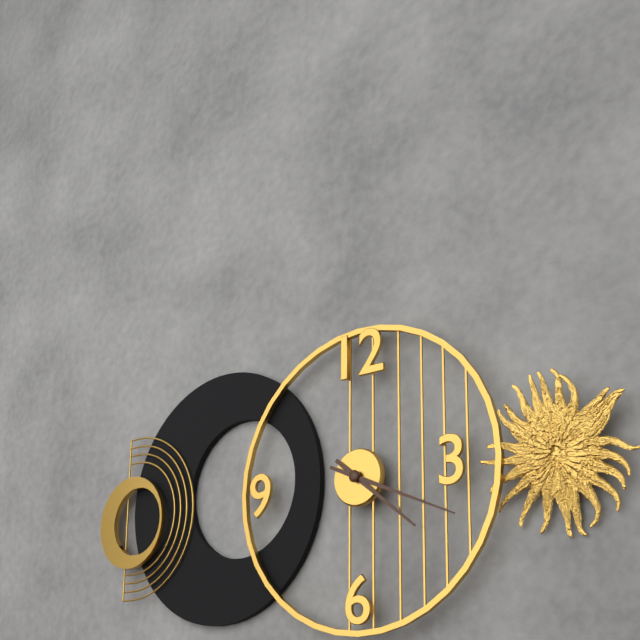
4:19
